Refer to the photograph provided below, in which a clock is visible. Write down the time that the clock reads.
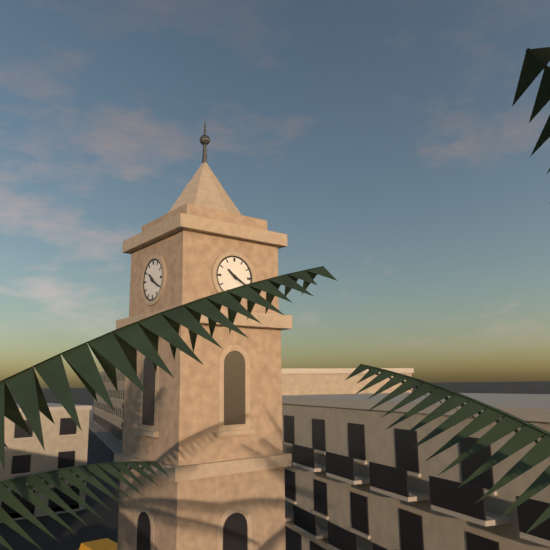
10:20
